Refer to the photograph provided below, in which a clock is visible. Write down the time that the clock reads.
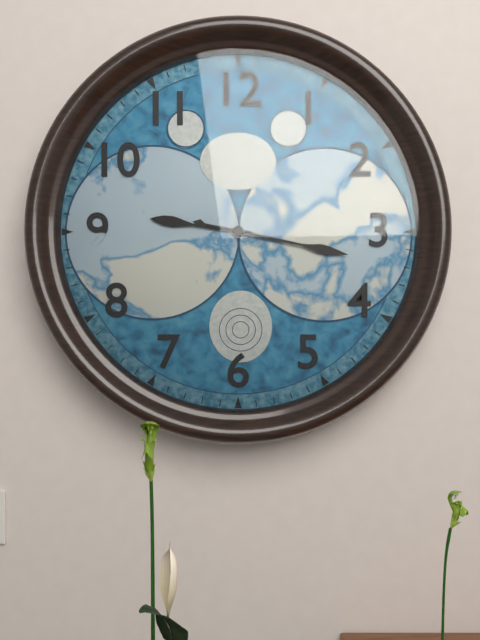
9:17
